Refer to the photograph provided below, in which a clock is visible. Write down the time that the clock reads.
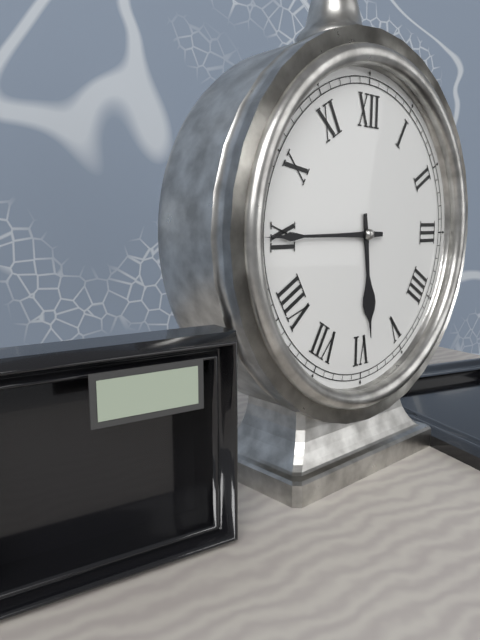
5:45
